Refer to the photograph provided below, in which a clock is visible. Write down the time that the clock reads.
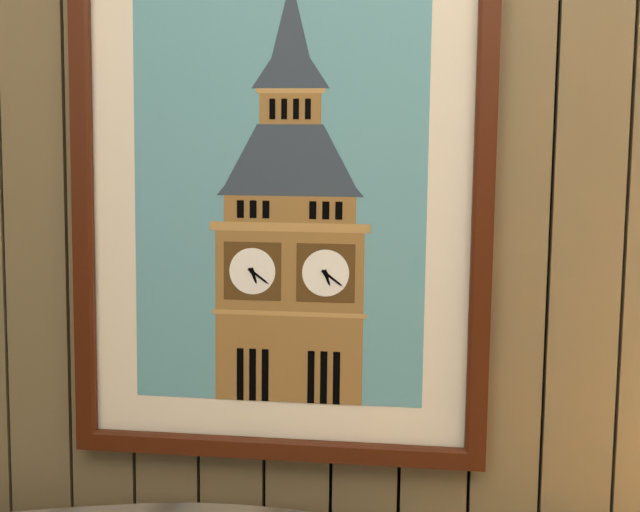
5:21
